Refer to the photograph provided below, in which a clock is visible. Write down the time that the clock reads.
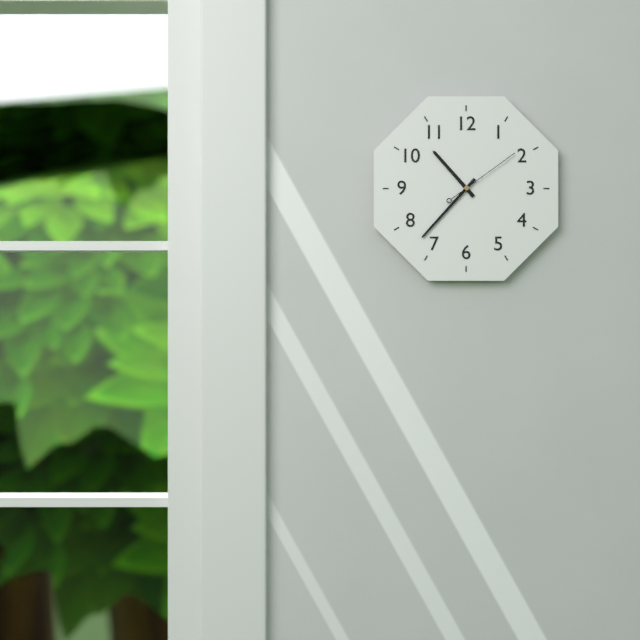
10:37:09
